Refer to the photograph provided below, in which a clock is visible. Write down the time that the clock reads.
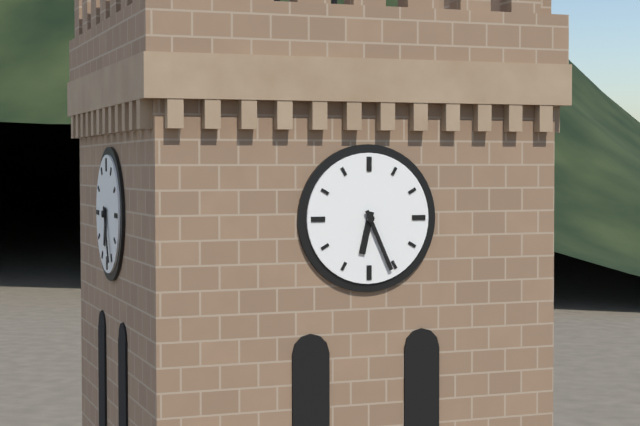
6:26
